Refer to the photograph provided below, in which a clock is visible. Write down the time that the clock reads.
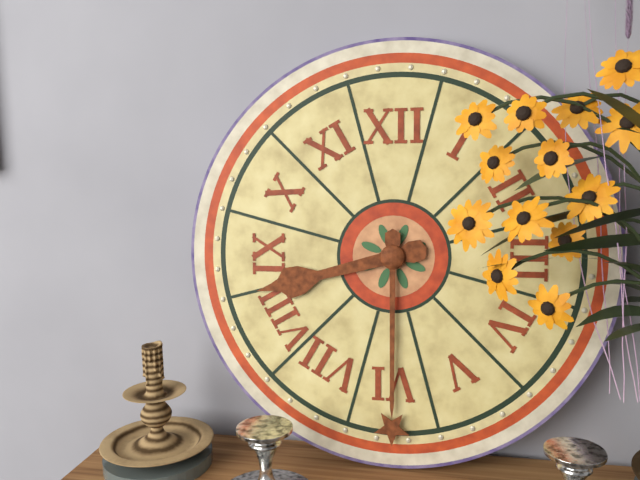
8:30
